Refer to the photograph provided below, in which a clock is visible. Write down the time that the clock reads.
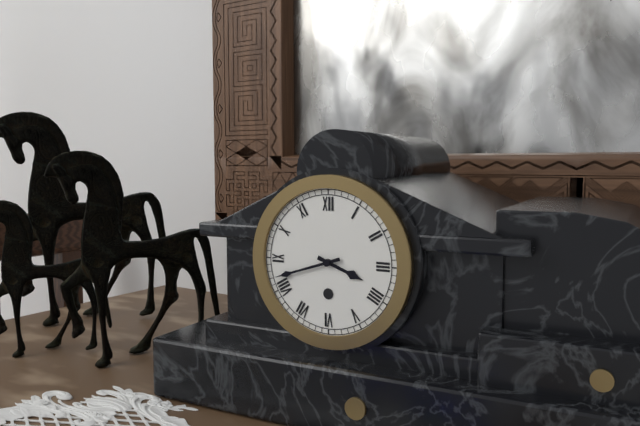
3:42
